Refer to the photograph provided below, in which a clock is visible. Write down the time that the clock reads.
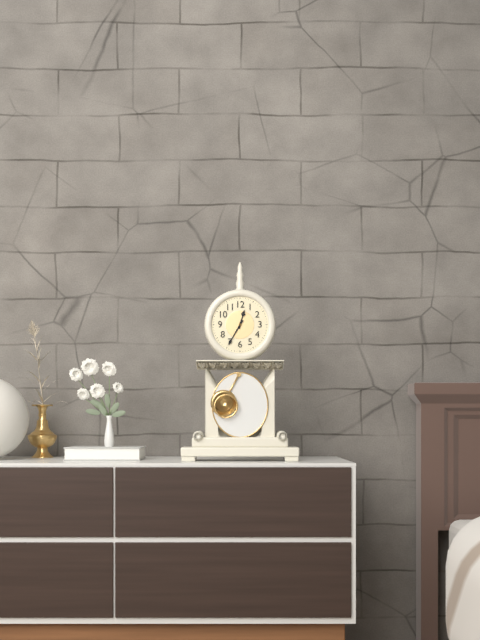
12:35
